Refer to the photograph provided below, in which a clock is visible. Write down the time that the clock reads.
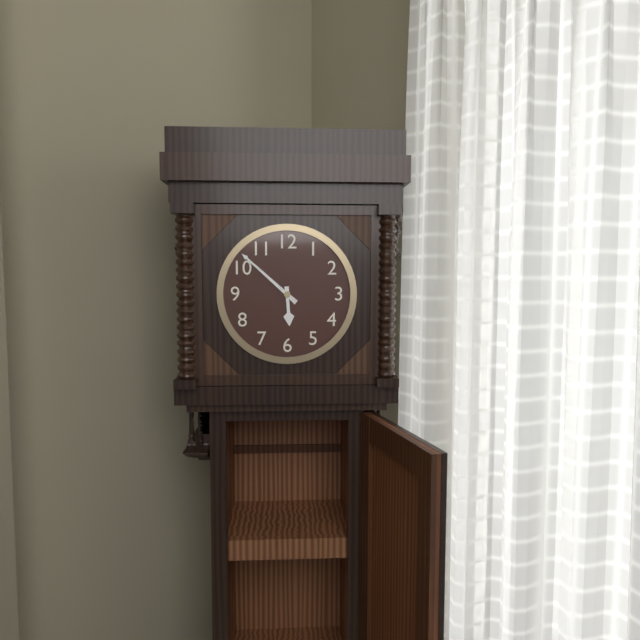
5:52
